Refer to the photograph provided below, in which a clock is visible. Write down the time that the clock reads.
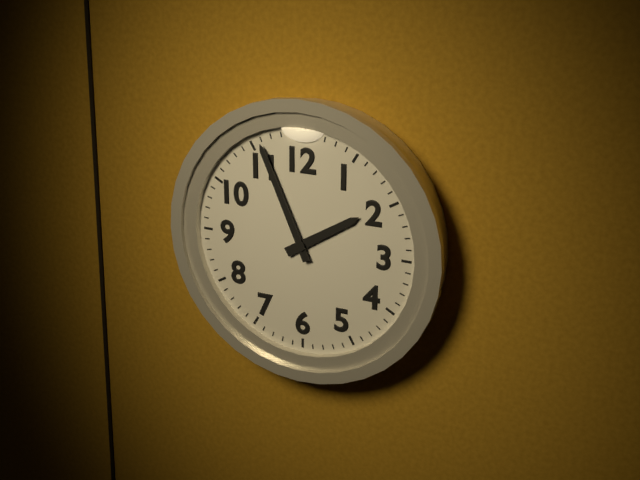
1:56
